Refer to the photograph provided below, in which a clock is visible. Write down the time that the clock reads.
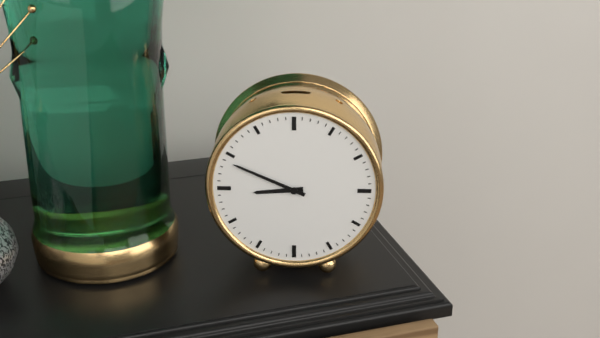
8:49
